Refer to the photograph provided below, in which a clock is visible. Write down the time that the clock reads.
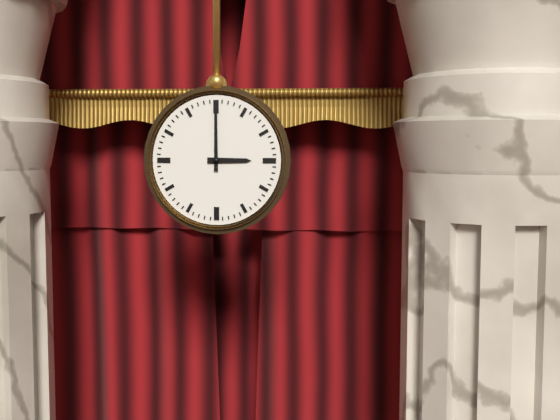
3:00
